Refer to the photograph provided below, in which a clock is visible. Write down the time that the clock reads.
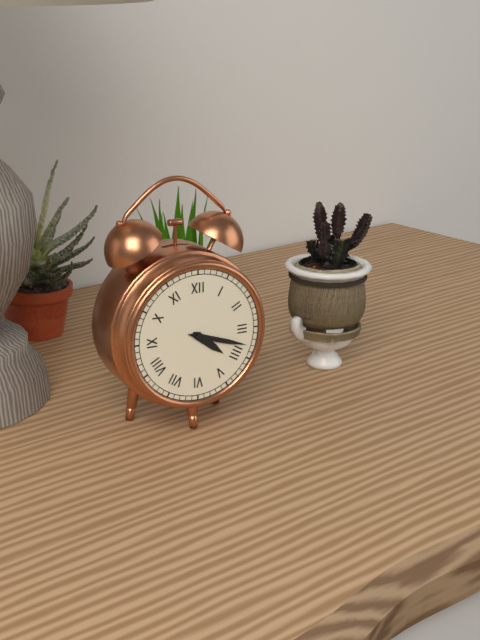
4:18
